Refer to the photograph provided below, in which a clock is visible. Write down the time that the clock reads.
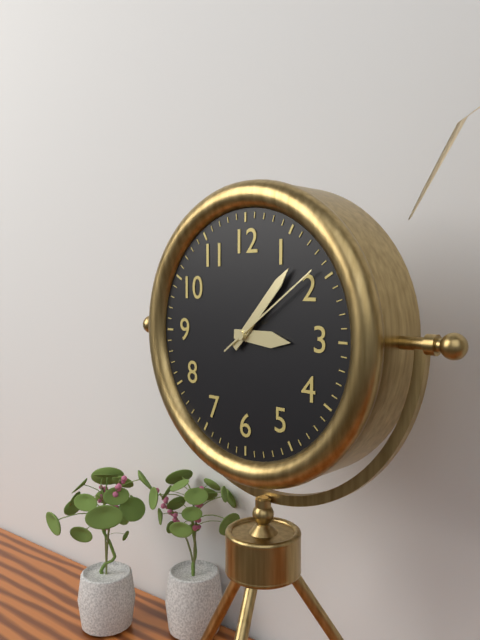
3:07:09
